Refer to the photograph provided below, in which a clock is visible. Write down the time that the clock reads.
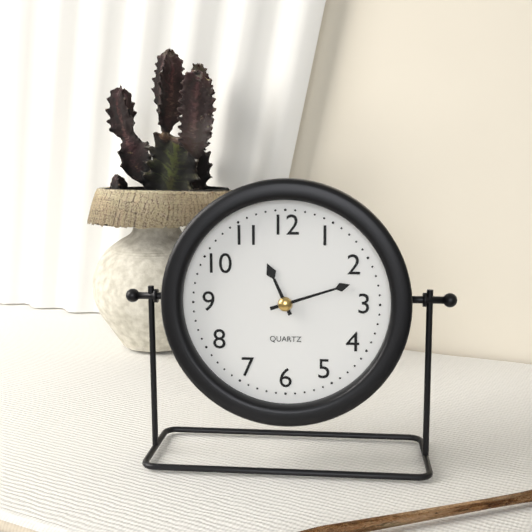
11:12
